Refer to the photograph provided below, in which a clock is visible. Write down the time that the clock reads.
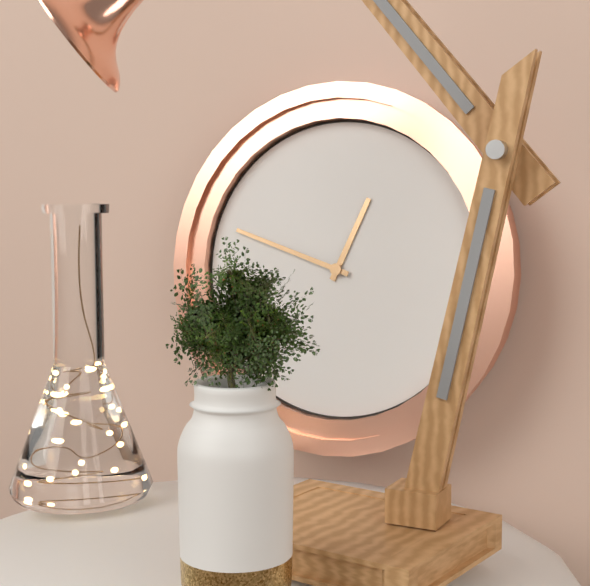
12:48
